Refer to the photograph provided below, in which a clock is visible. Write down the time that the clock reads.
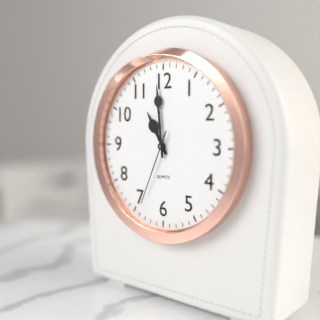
10:59:34
